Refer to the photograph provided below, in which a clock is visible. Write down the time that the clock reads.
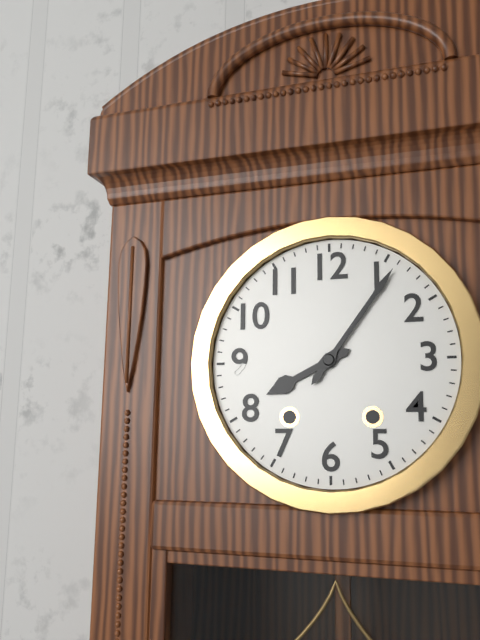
8:06
